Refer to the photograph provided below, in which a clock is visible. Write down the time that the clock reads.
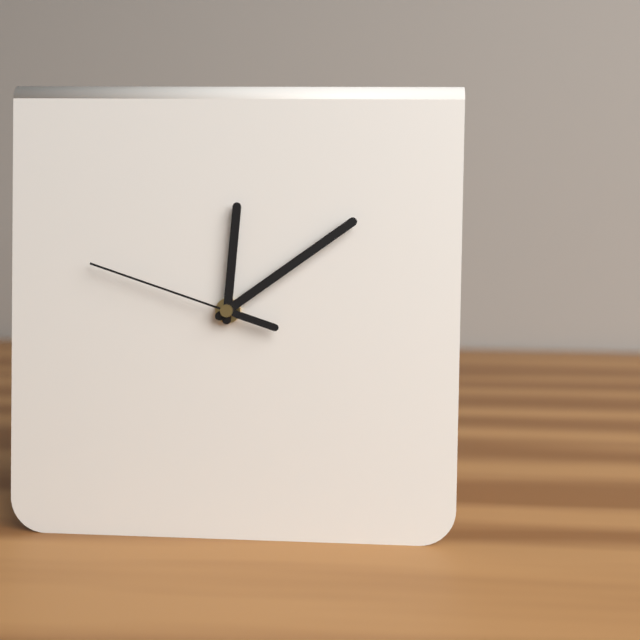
12:09:48
